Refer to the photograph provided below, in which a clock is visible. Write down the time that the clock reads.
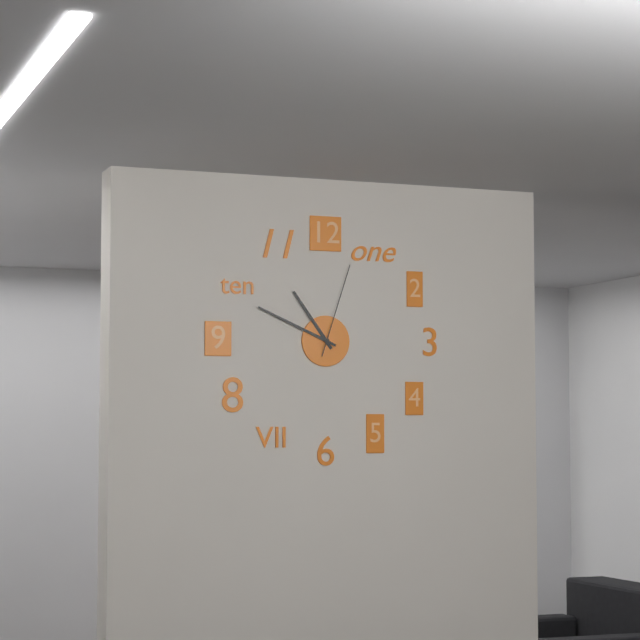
10:49:03
